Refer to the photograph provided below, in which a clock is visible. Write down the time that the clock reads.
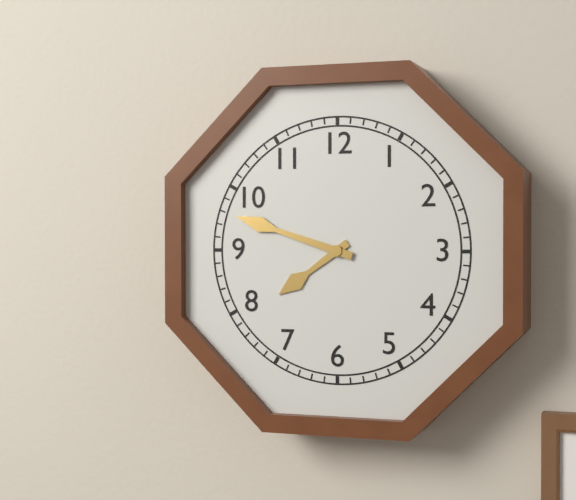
7:48
